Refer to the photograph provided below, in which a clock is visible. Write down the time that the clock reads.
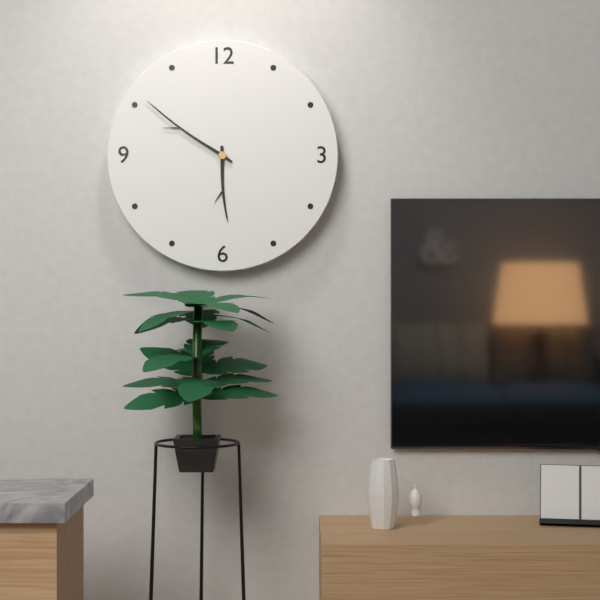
5:51
